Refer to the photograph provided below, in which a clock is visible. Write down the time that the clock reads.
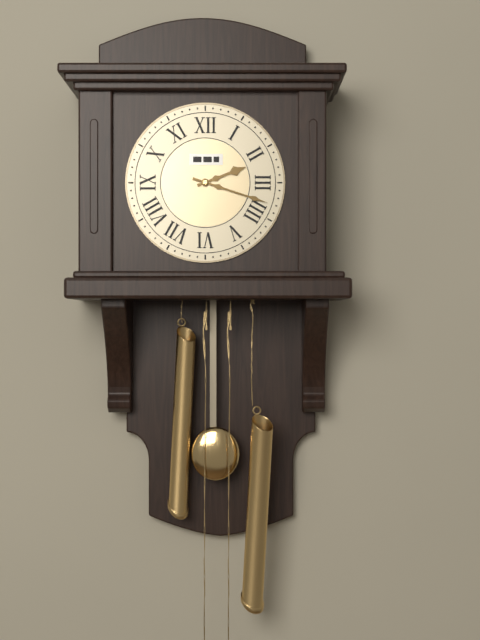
2:18
